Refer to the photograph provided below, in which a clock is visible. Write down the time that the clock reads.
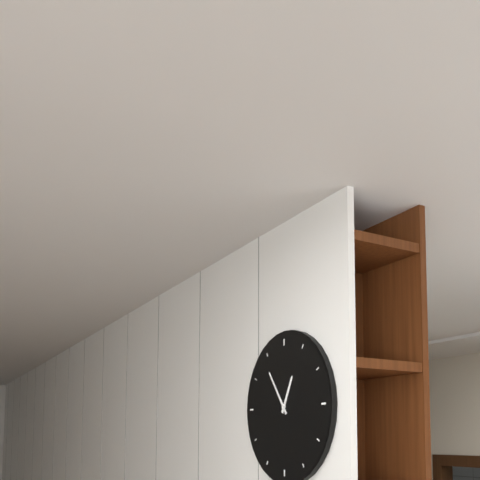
12:54
